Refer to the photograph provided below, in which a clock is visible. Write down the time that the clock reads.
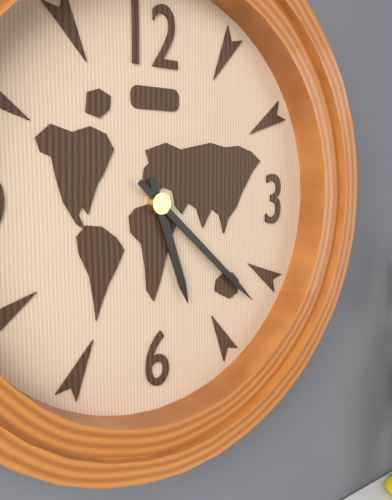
5:22
